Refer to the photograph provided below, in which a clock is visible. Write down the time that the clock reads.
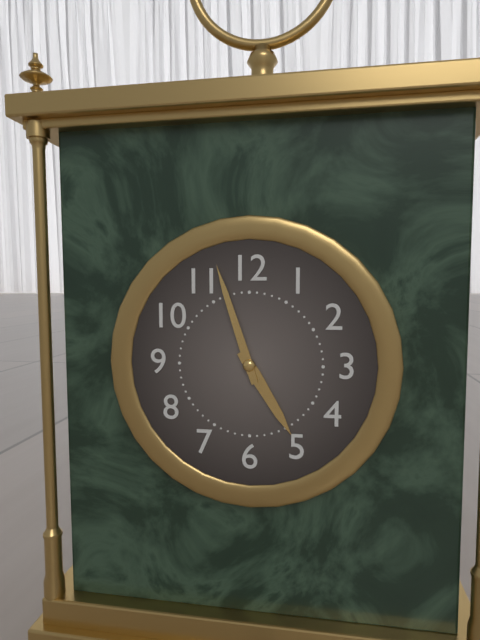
4:57
